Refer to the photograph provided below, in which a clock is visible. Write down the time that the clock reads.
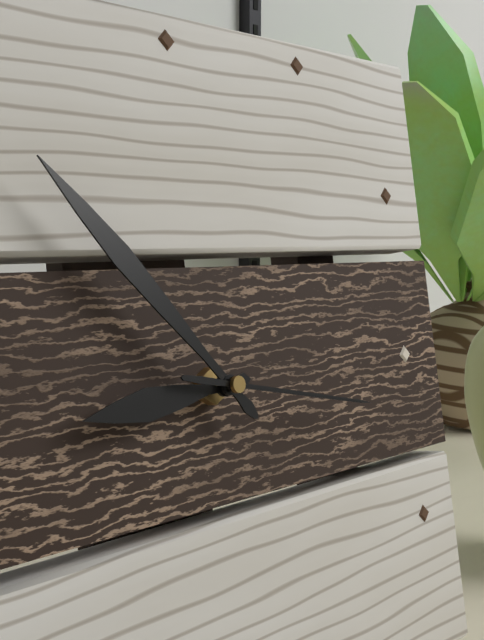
8:53:17
